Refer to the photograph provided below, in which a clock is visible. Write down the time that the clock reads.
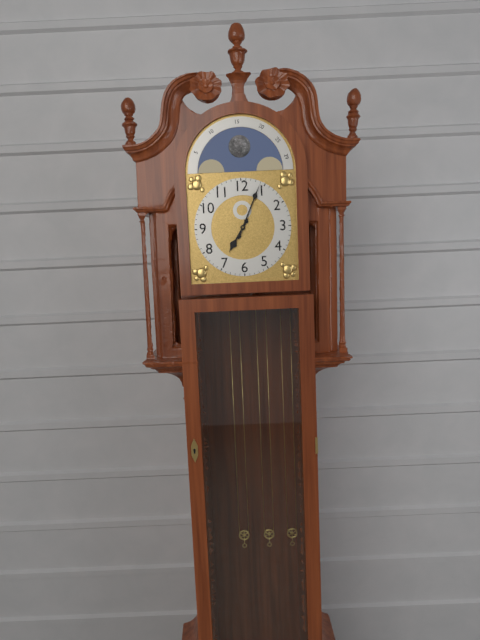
7:04
